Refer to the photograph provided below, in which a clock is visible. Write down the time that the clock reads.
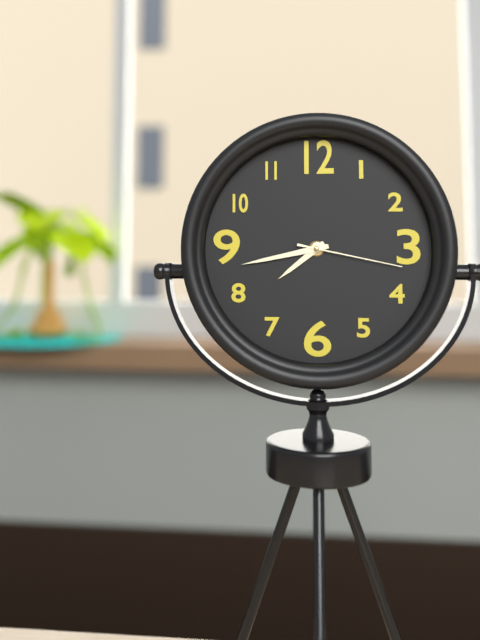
7:43:17
